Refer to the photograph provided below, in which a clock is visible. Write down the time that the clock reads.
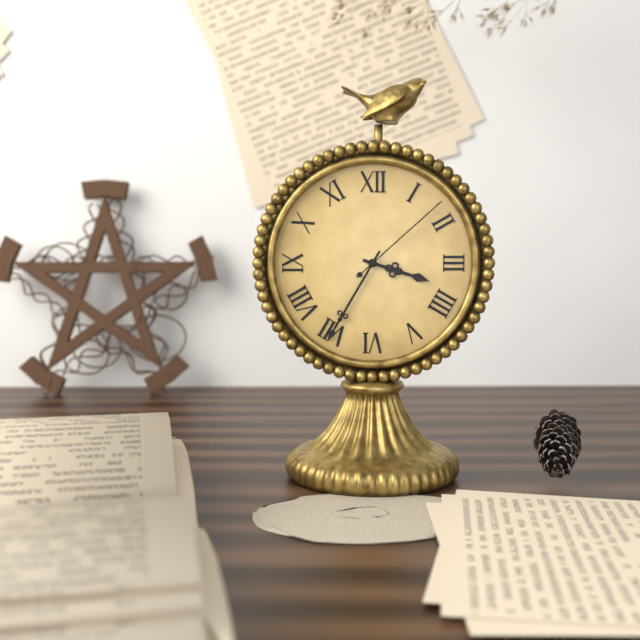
3:35:08
